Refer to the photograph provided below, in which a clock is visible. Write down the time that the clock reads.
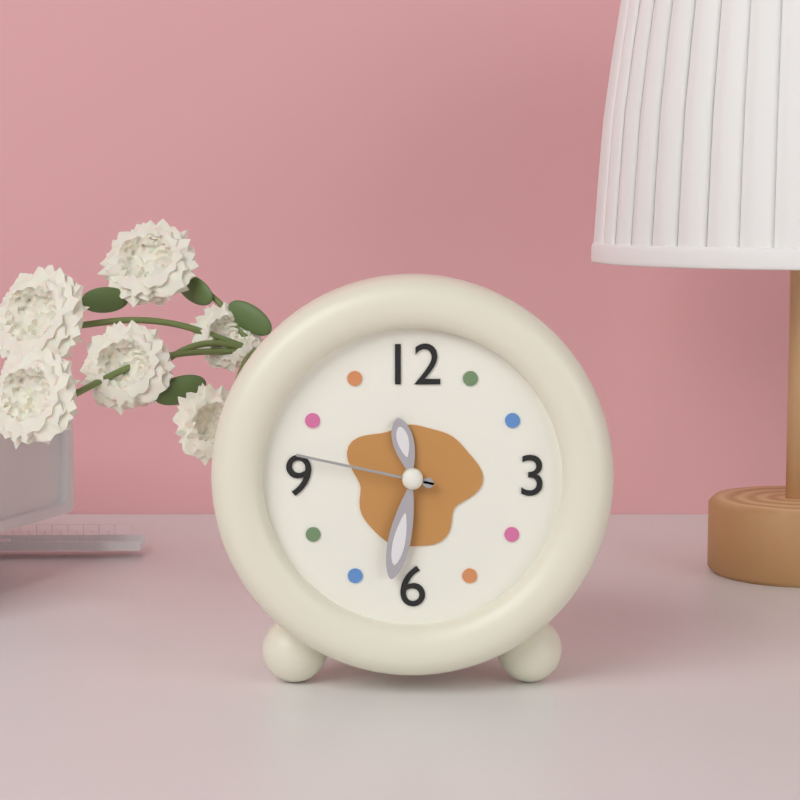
11:32:47
